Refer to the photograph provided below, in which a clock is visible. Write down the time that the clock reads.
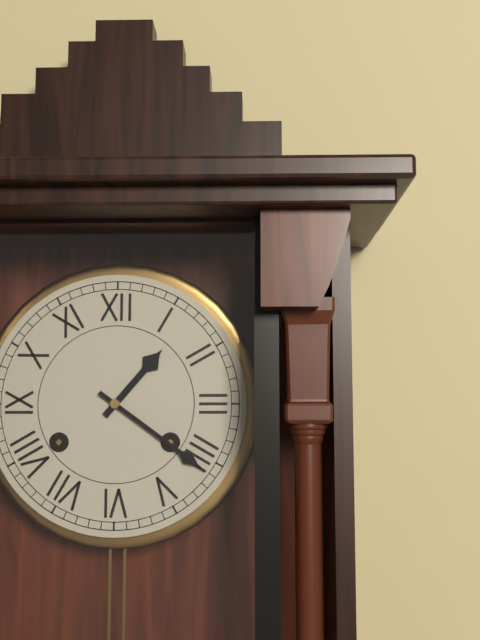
1:21
